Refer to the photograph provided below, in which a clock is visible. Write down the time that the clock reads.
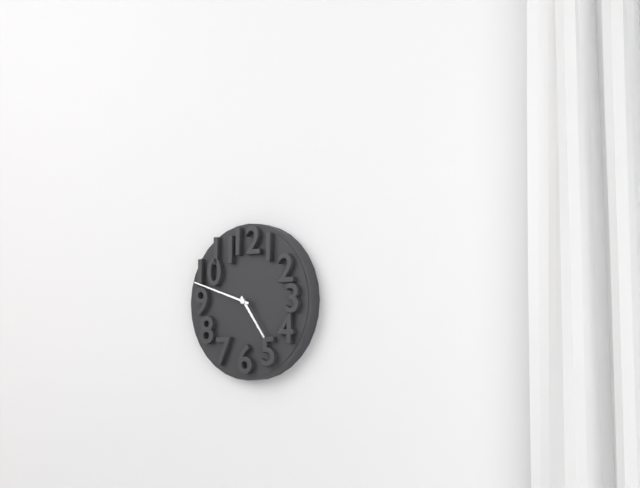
4:48
